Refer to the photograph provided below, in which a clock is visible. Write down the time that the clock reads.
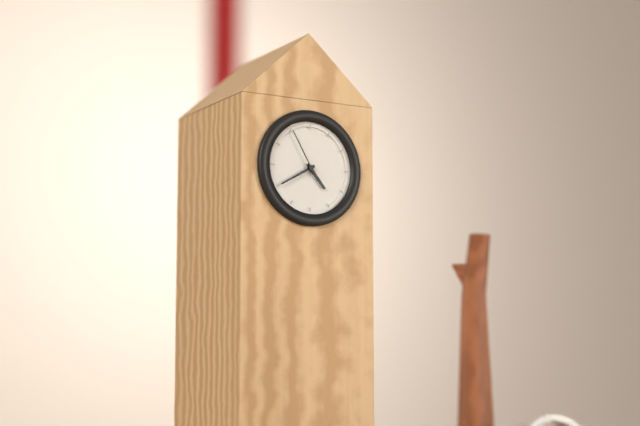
4:40:55
